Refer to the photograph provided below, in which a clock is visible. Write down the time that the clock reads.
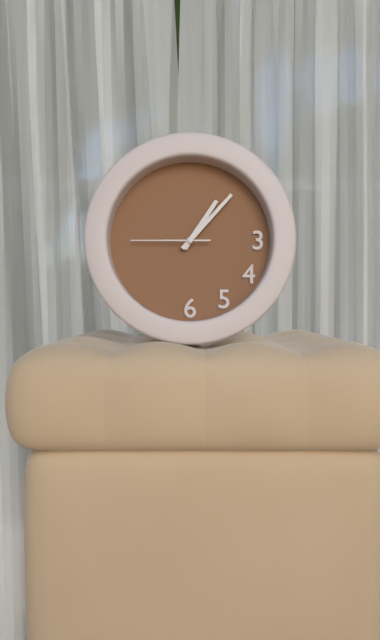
1:07:45
